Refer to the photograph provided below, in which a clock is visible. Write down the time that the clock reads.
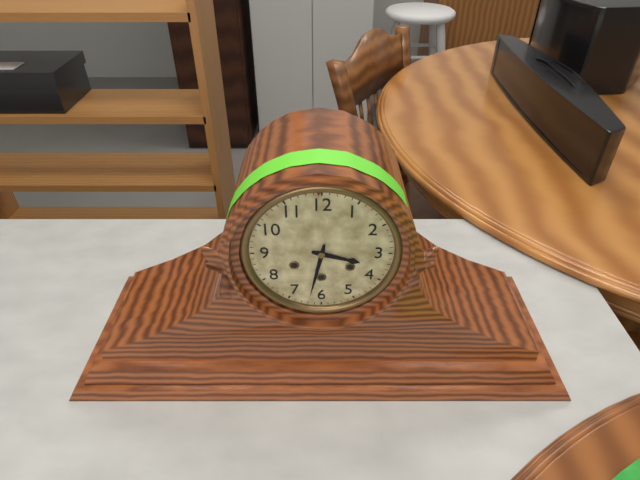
3:32
